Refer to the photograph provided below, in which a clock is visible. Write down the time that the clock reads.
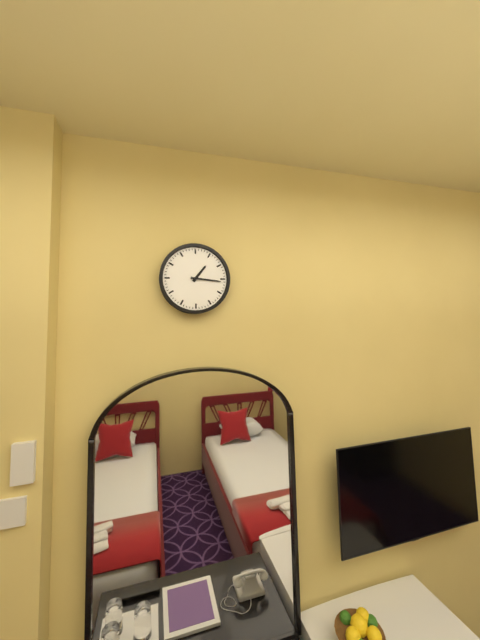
1:16
